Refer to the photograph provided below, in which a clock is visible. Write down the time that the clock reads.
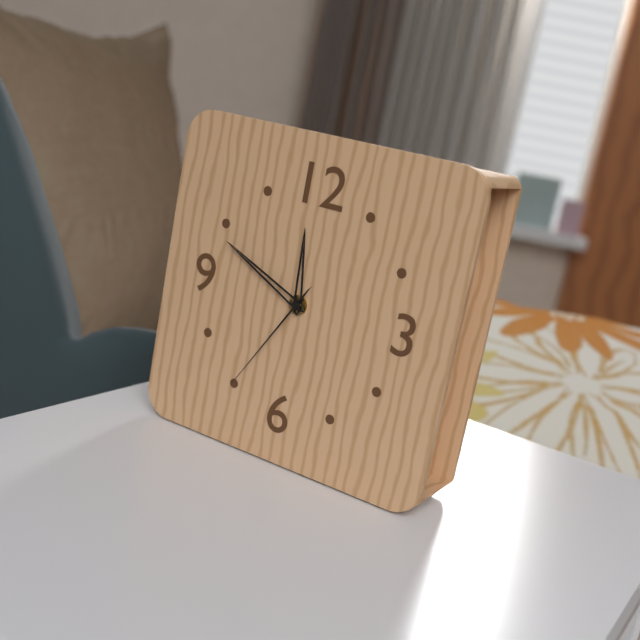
11:49:35
